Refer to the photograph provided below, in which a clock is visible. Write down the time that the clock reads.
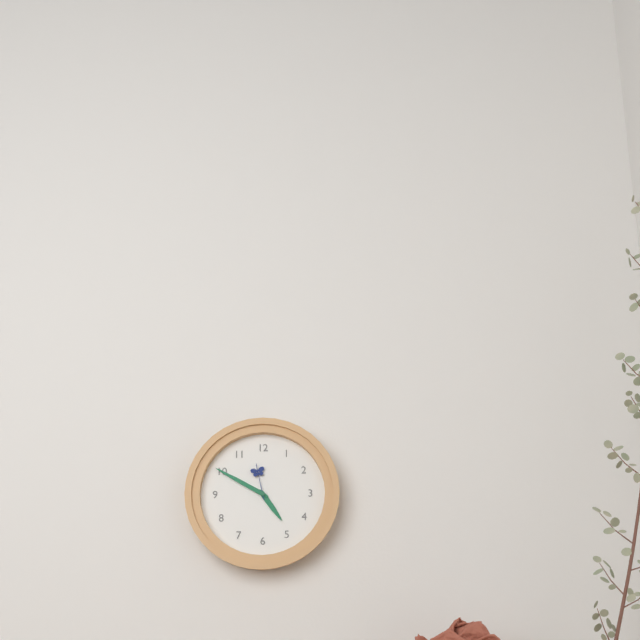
4:50
